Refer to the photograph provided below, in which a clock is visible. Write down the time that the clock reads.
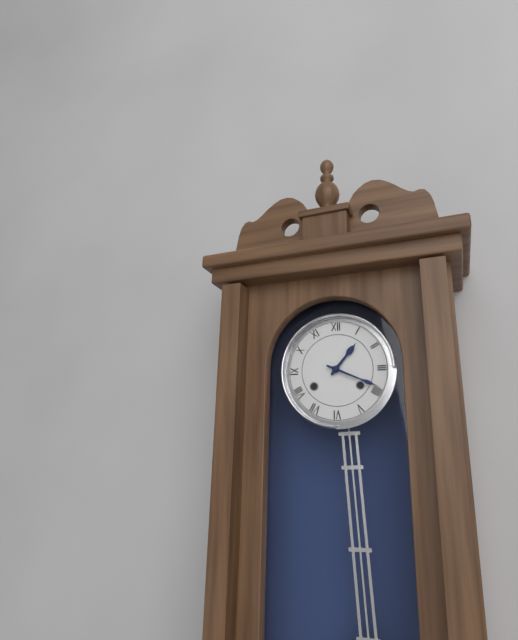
1:19
